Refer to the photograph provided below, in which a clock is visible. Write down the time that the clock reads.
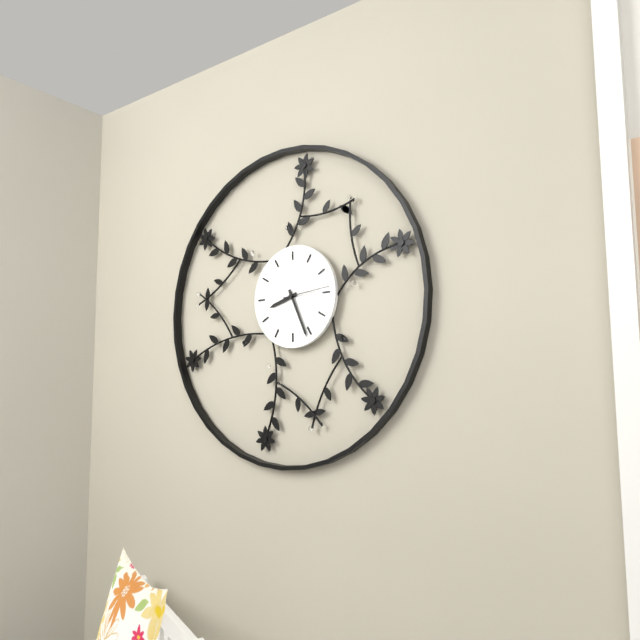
8:26
